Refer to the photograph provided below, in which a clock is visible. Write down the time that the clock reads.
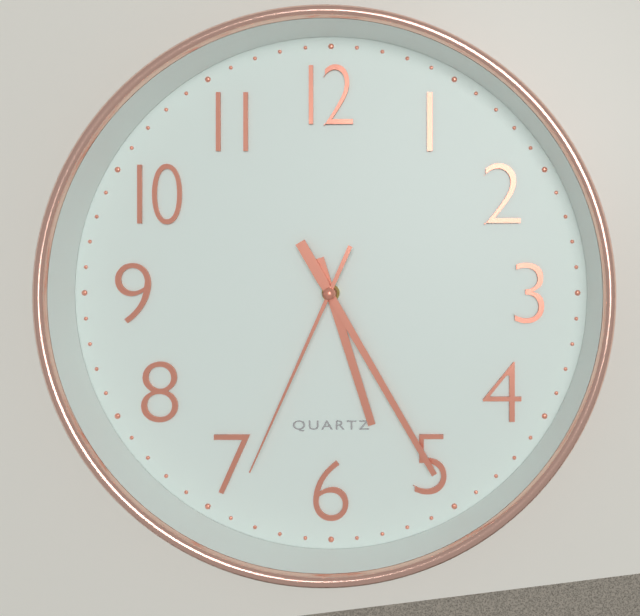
5:25:34
